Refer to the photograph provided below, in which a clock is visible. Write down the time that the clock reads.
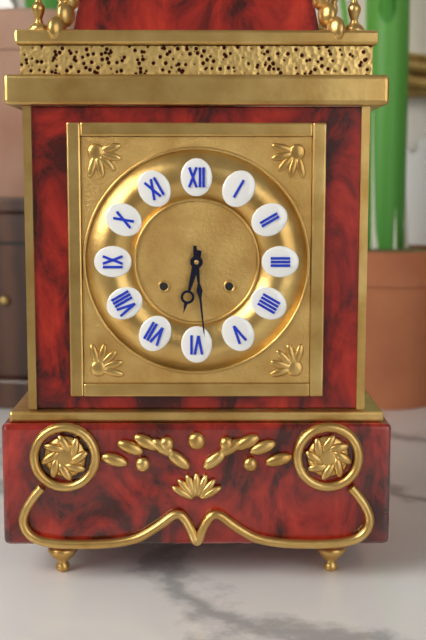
6:29
